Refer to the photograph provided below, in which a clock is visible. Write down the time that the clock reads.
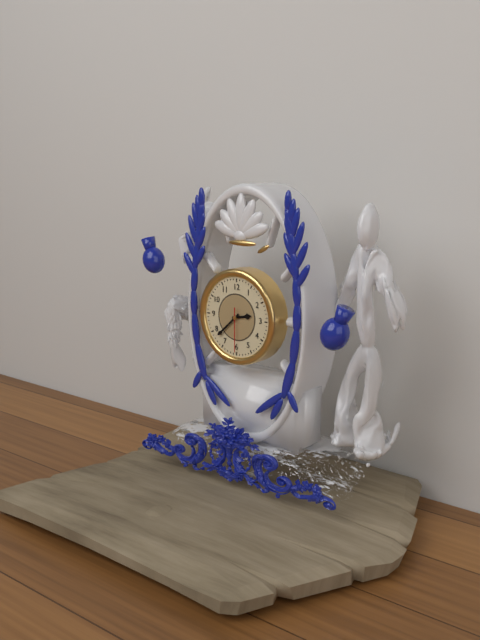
2:38
